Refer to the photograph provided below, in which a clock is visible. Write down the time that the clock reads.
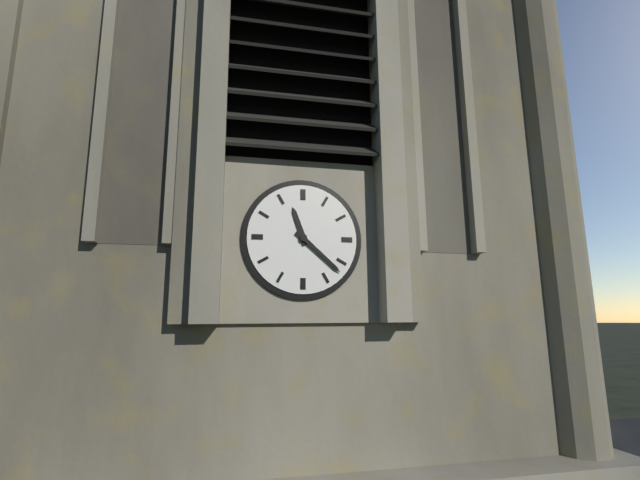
11:22
